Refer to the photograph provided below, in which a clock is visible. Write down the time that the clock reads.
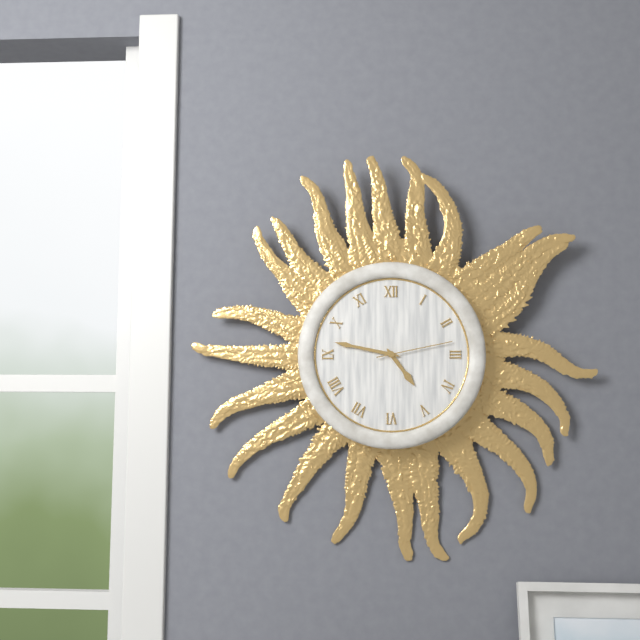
4:47:13
